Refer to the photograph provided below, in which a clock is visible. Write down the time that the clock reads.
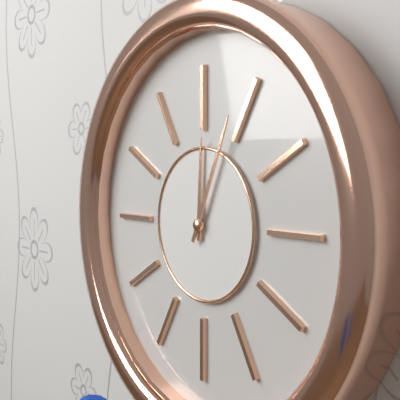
12:04
